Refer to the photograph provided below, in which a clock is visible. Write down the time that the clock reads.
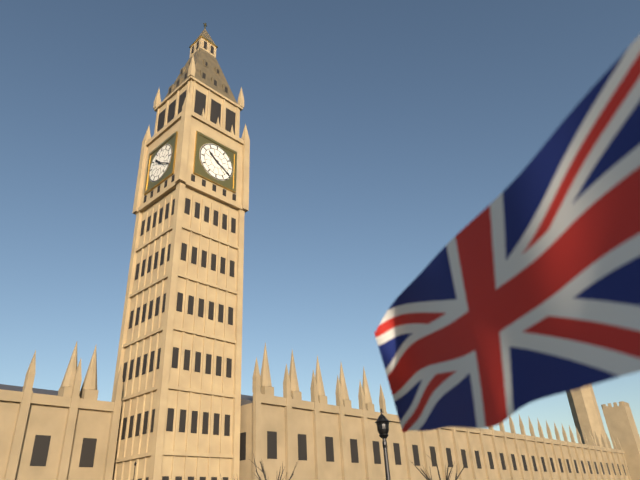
10:20
